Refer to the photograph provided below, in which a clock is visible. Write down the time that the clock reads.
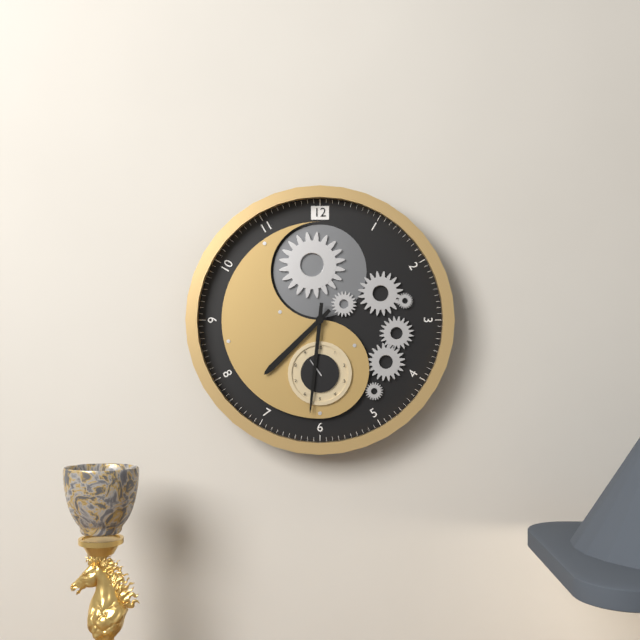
7:31
